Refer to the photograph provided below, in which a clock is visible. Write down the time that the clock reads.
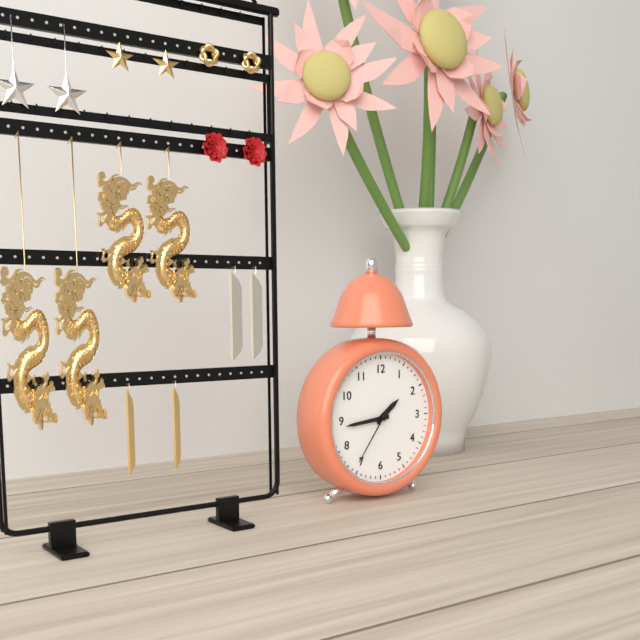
1:44:36
